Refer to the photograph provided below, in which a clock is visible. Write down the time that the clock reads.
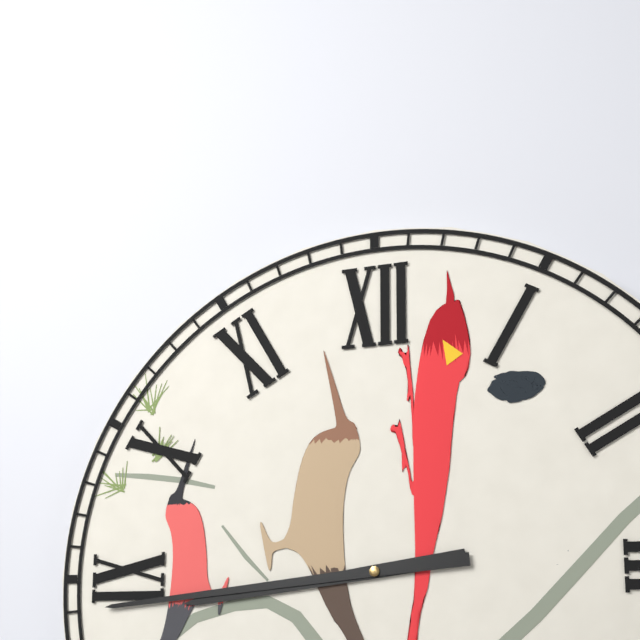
8:44
